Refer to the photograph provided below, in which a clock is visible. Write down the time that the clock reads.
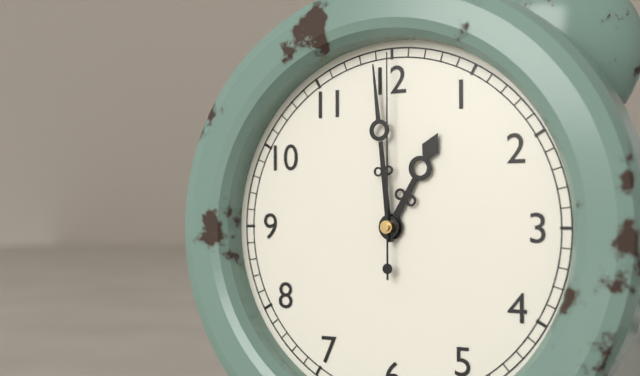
12:59:00
